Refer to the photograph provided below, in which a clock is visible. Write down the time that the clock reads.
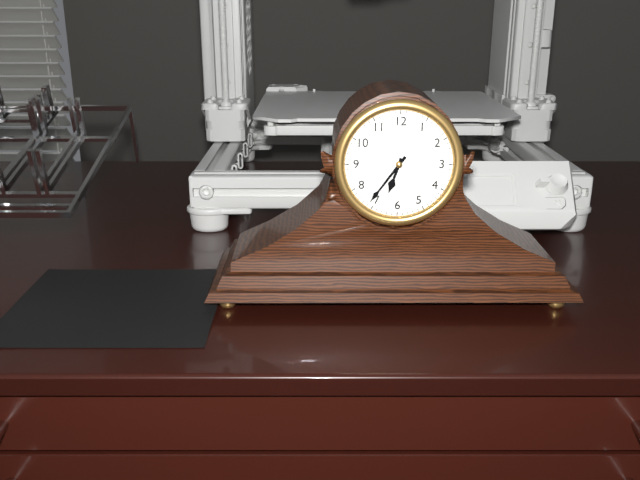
6:36
